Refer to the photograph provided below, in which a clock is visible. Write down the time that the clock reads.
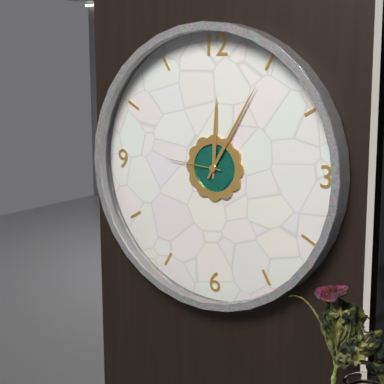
12:05:46
